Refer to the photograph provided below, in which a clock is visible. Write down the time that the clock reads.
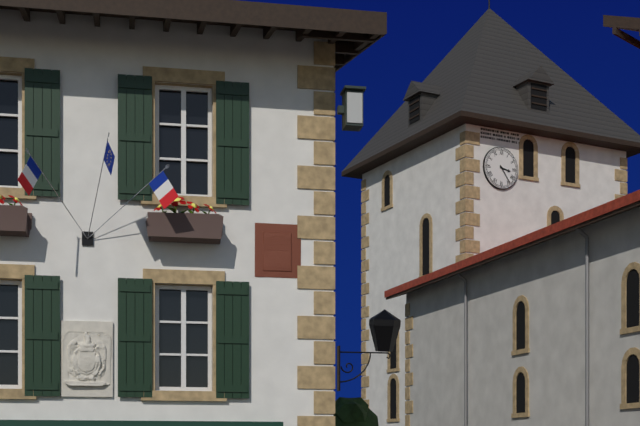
3:24
